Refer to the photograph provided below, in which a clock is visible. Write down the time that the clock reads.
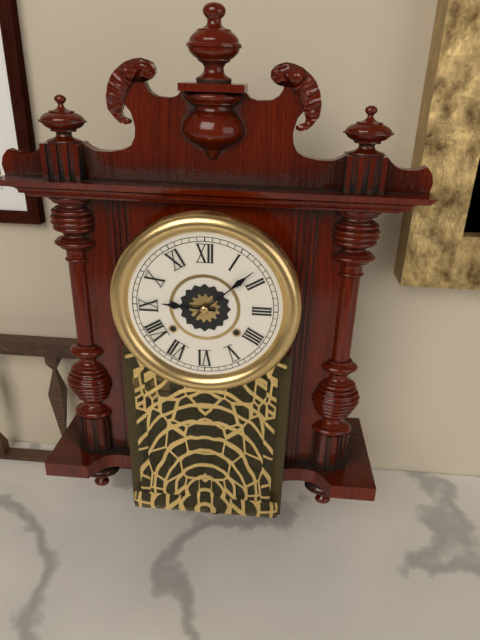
9:08
